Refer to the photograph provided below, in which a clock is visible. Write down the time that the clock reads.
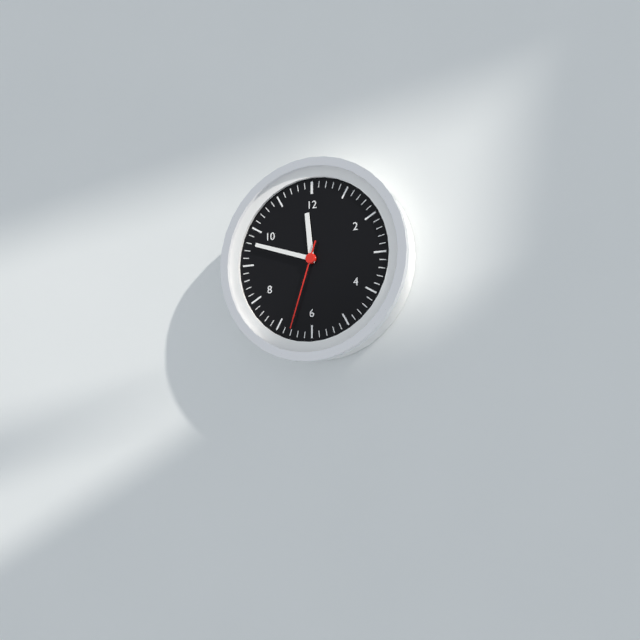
11:48:33
